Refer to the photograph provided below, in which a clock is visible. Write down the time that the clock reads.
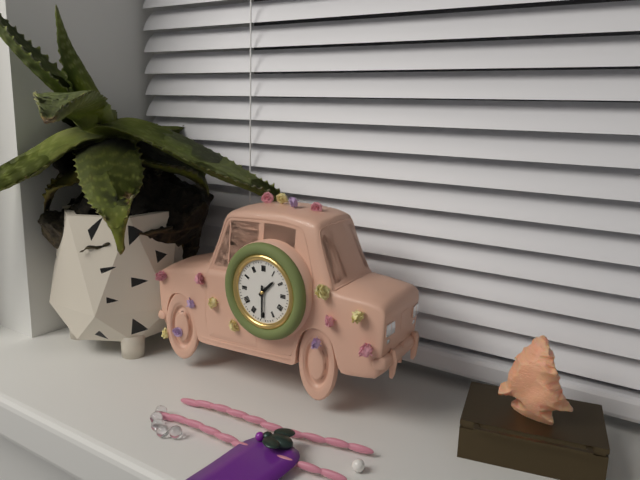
1:30
